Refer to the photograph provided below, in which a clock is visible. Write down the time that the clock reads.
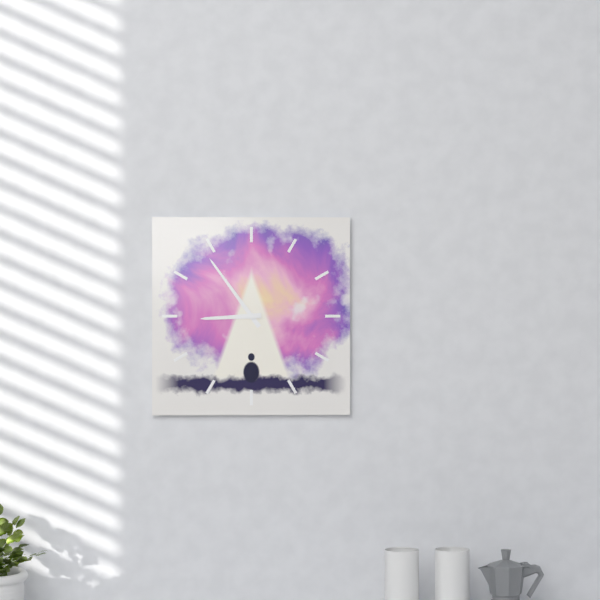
8:54
